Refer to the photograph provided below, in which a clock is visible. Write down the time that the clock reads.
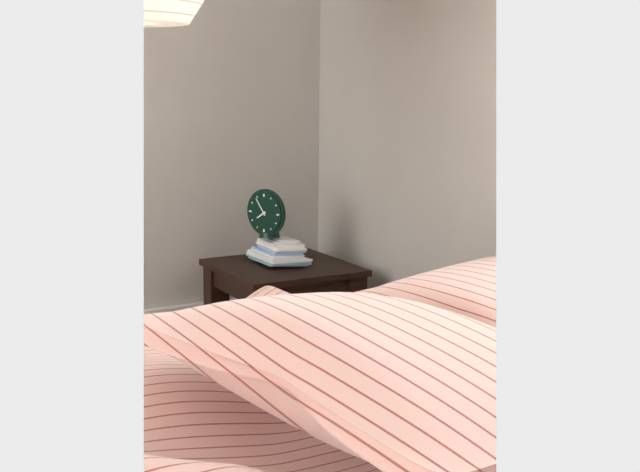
7:54
